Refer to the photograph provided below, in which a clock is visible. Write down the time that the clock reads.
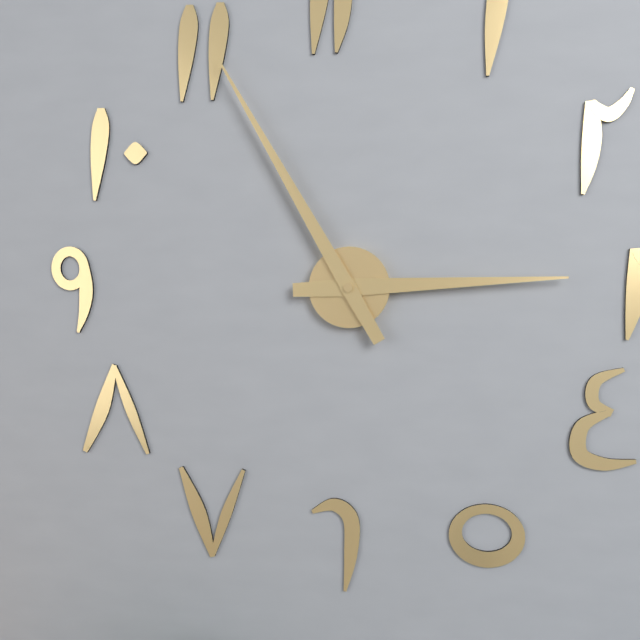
2:55
